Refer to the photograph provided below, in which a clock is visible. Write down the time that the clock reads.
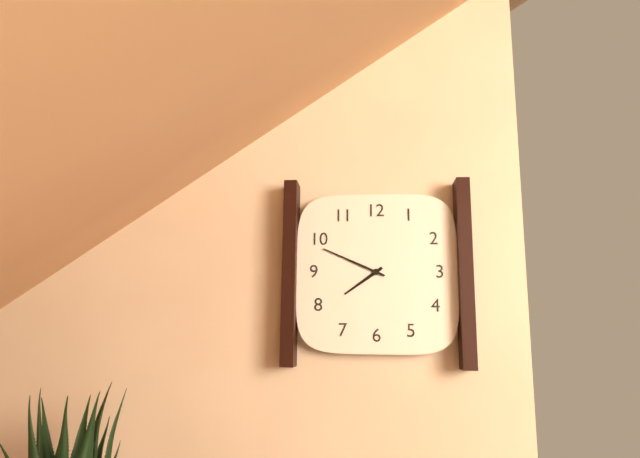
7:49
